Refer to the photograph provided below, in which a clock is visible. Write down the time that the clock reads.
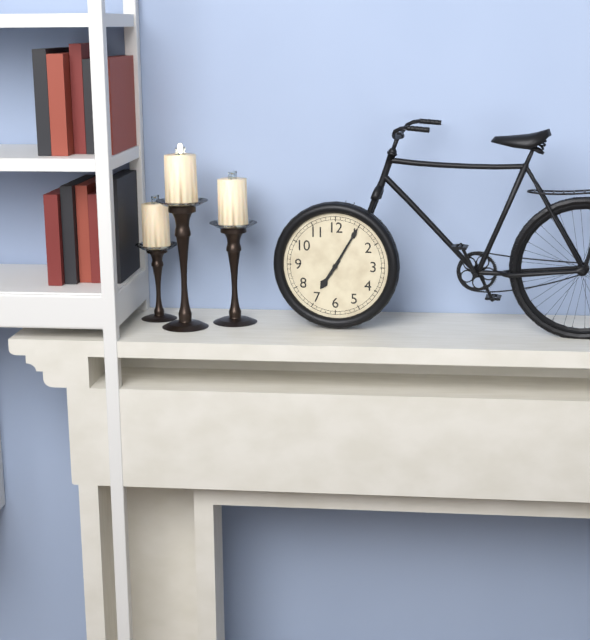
7:05
